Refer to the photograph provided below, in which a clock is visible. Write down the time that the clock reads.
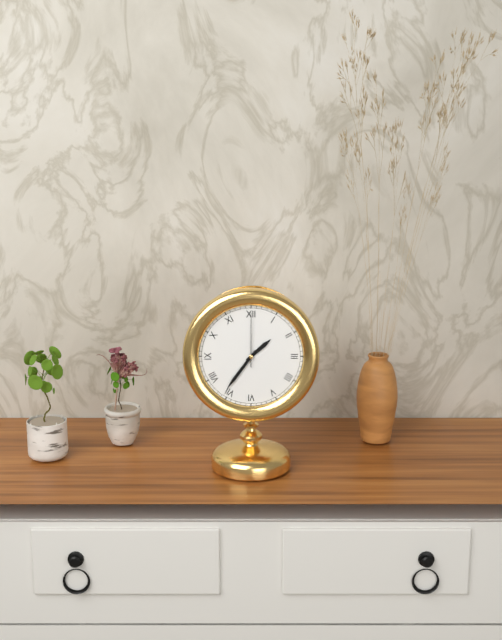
1:36:00
